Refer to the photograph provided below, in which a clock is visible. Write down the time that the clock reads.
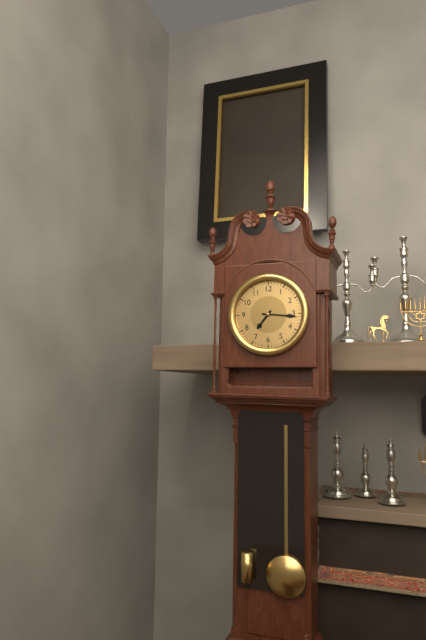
7:16
